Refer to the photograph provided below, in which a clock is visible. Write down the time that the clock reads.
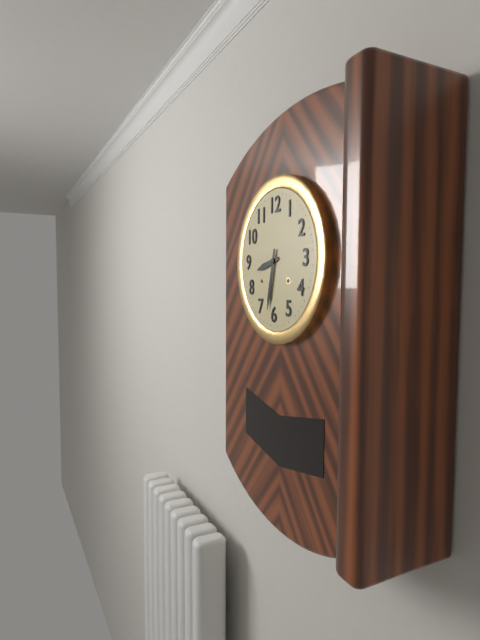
8:32
